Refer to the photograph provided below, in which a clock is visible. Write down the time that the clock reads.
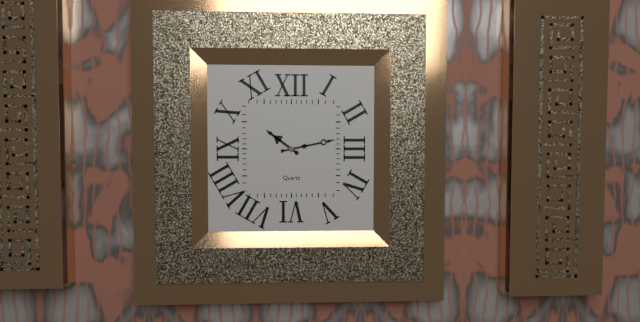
10:13
